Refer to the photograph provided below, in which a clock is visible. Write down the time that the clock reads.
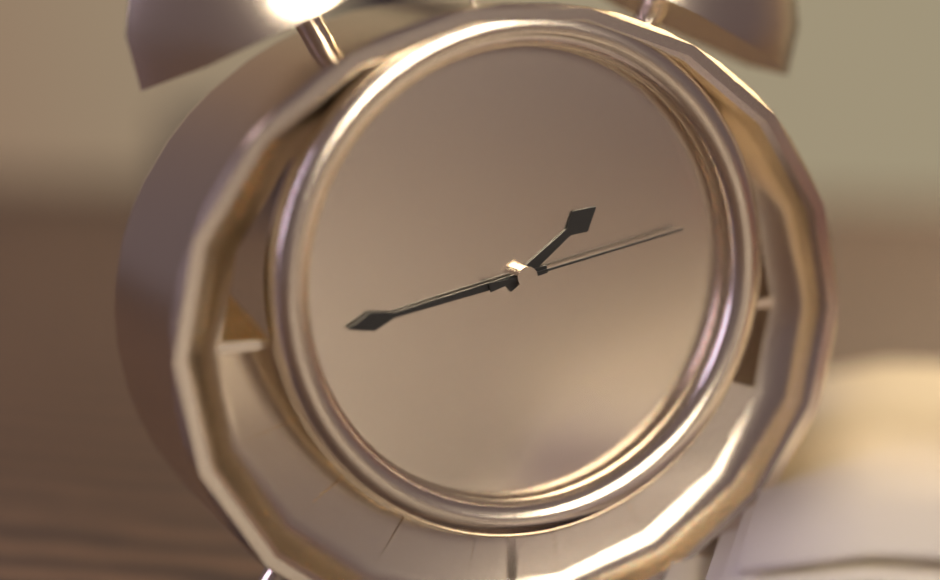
1:43:13
